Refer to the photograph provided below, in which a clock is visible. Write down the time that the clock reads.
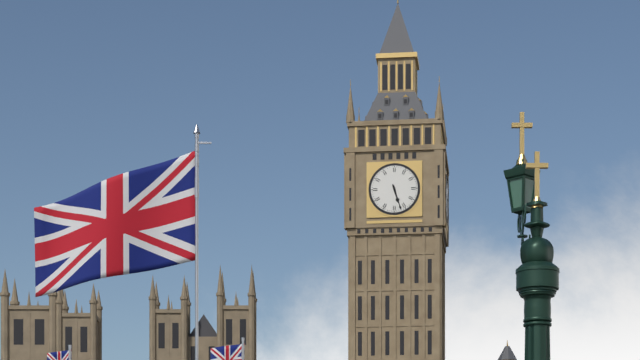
5:27
